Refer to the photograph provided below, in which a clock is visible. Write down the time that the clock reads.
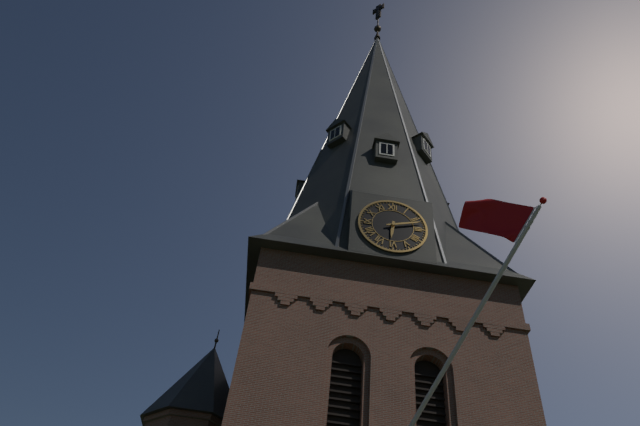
6:12
